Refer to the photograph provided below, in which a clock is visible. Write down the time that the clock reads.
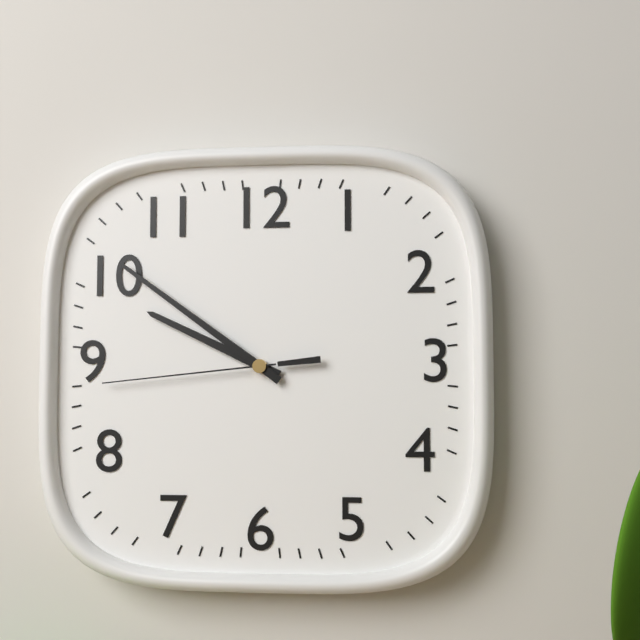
9:51:44
